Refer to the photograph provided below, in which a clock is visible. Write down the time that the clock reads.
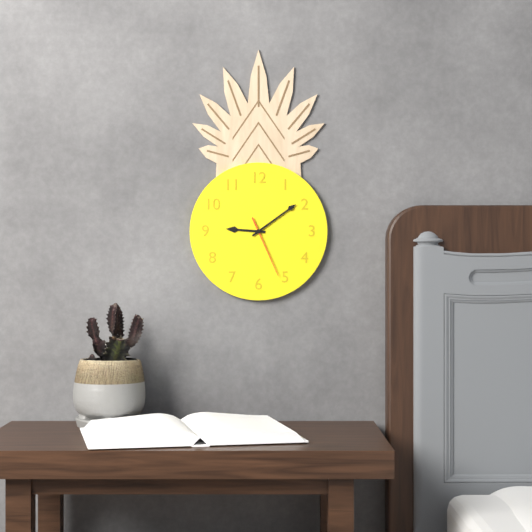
9:09:26
